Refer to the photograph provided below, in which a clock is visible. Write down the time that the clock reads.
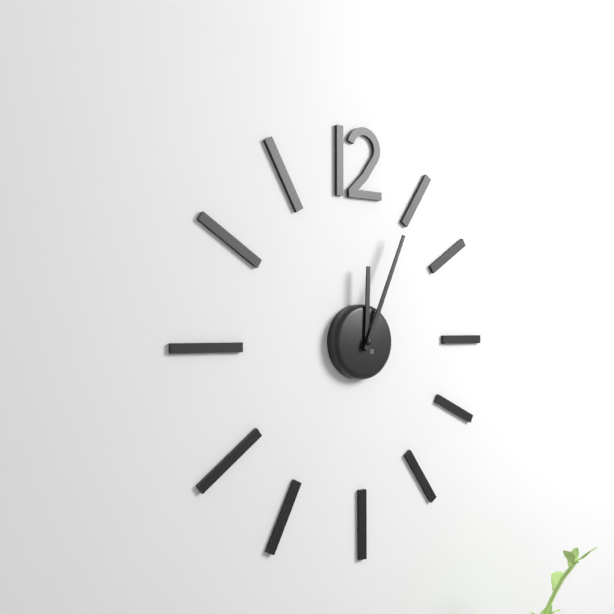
12:04
